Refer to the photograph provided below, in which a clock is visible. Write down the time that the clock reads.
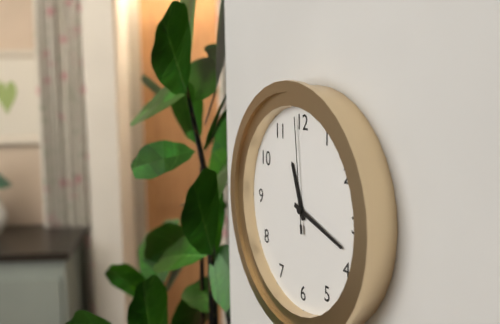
11:18:59
